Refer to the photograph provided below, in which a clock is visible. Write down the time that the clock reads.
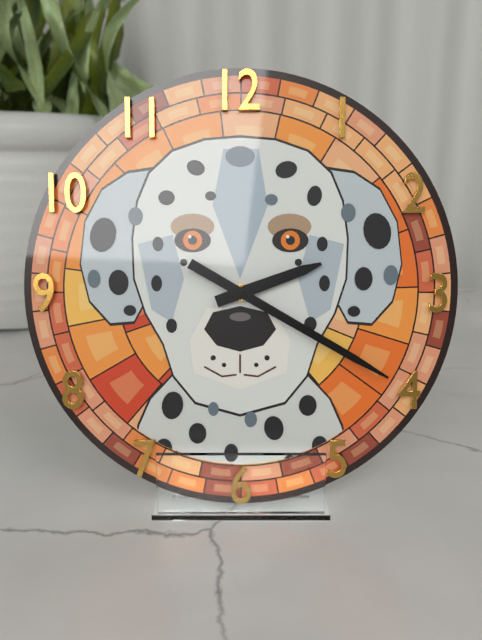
2:20
